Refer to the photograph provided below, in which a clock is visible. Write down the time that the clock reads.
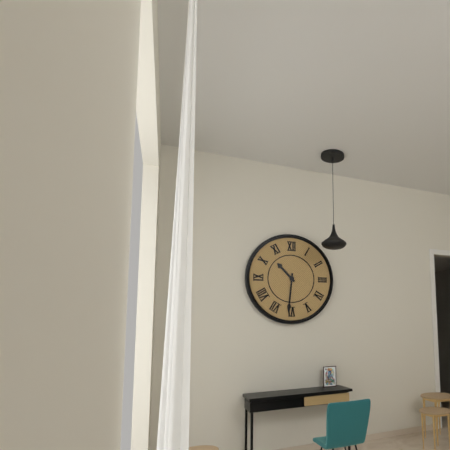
10:31
